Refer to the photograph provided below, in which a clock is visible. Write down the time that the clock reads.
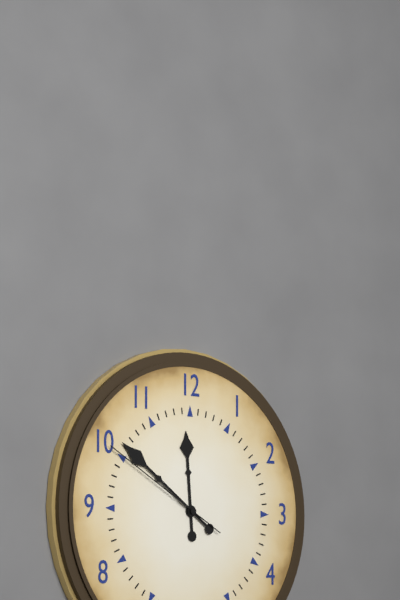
11:51:50
